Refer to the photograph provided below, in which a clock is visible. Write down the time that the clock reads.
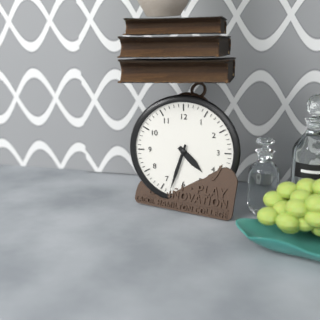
4:33
